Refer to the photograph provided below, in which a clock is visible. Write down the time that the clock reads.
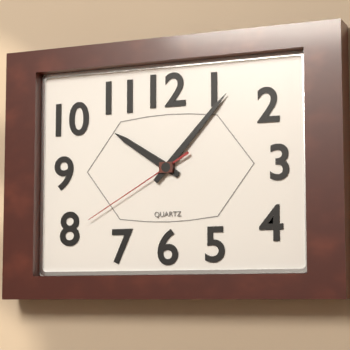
10:07:40
